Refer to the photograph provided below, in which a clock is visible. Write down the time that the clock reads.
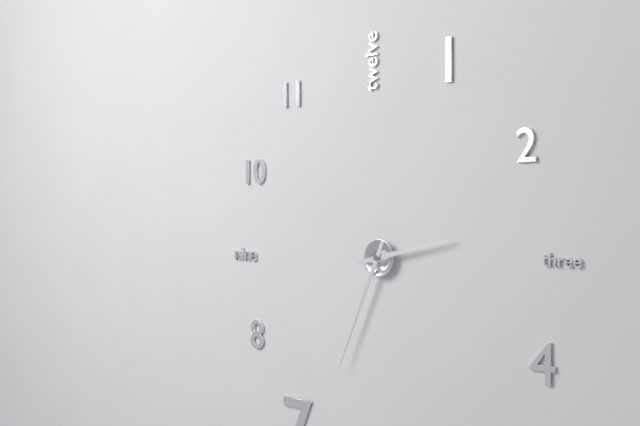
2:34
